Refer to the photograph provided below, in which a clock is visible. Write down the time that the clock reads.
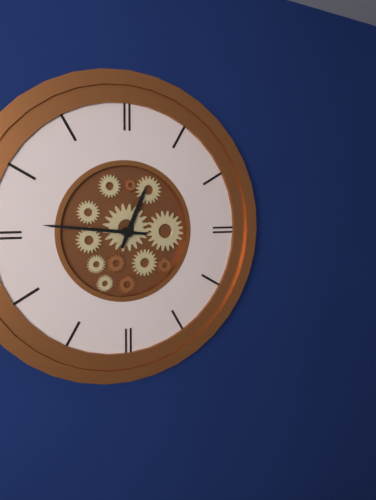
12:46
